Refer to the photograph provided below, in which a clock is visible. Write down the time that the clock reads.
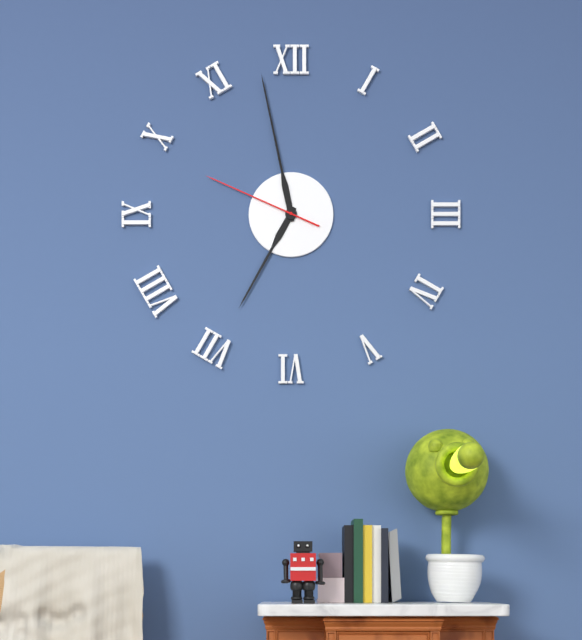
6:58:49
